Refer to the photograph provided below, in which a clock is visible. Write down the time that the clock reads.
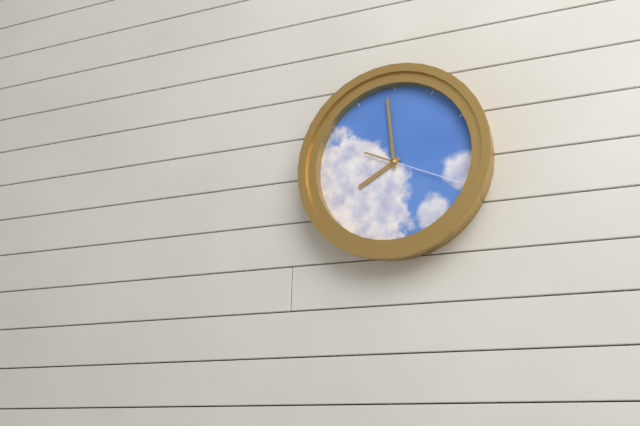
7:59:19
